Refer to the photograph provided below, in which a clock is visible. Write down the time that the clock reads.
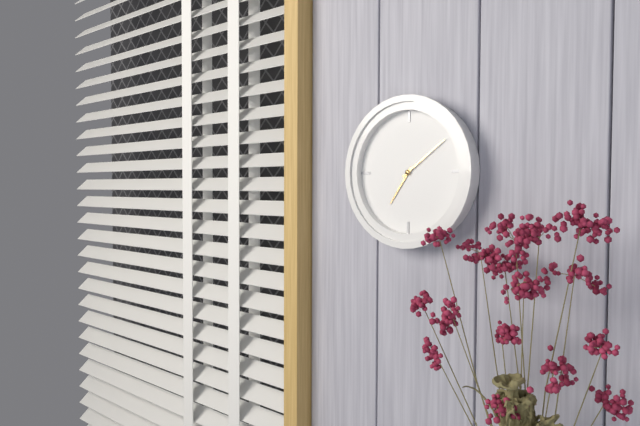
7:09
